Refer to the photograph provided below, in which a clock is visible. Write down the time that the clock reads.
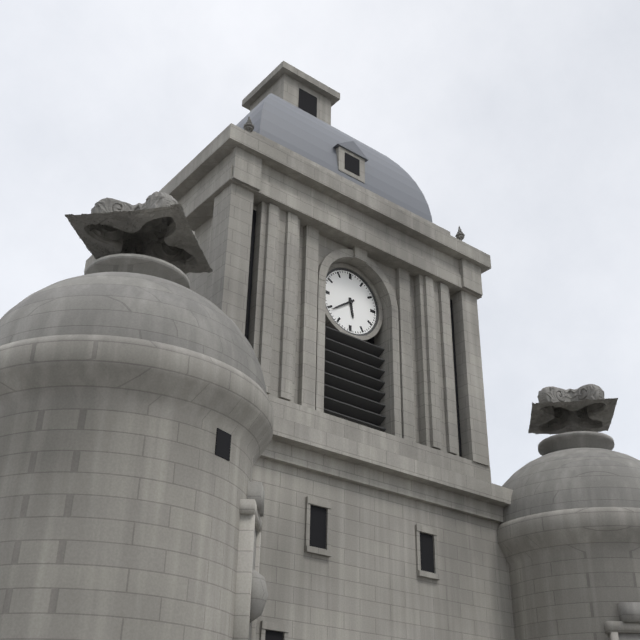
5:39
